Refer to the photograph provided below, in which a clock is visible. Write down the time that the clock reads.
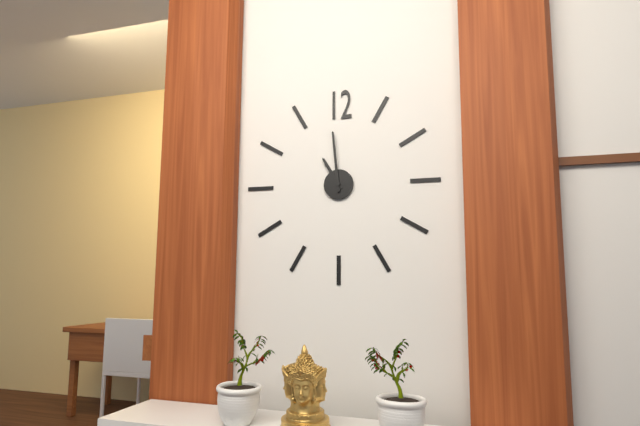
10:59
